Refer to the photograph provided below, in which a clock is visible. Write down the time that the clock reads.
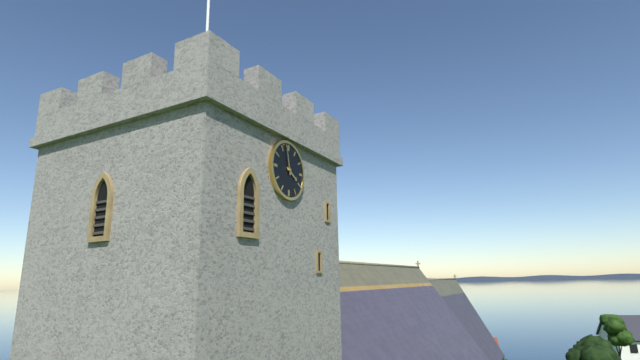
3:58
